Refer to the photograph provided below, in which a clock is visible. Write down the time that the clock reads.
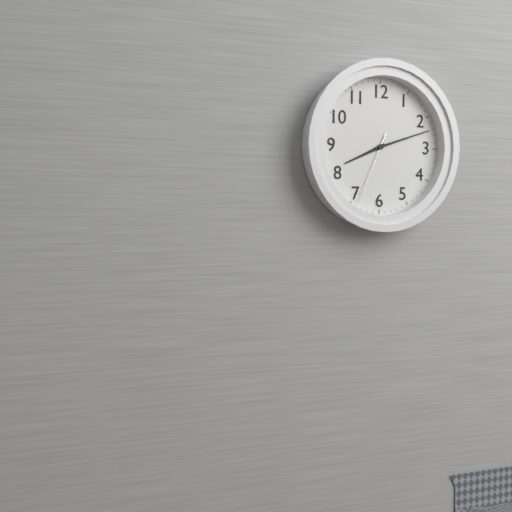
8:12:34
